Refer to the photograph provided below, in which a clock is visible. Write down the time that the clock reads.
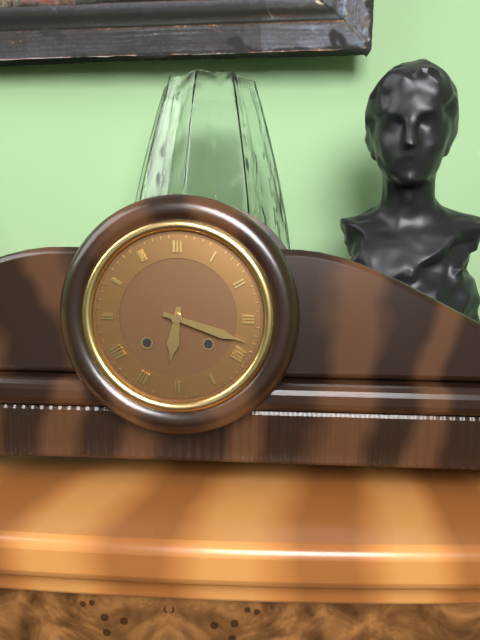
6:18
